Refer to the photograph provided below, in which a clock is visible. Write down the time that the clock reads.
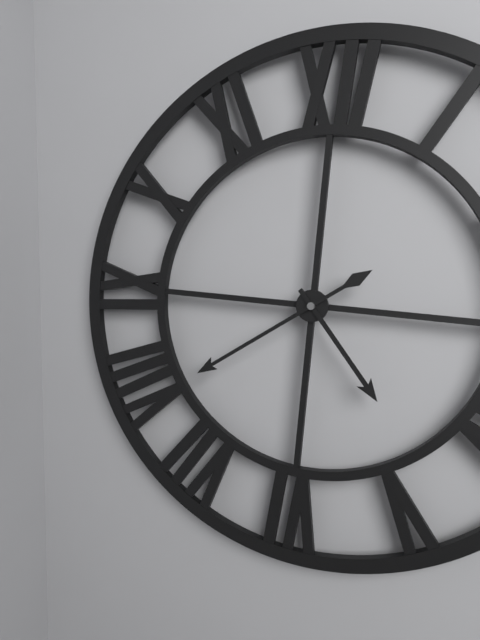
4:39
